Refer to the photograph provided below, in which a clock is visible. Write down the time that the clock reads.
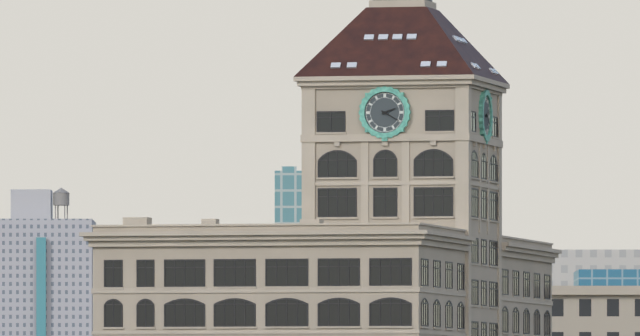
2:20
